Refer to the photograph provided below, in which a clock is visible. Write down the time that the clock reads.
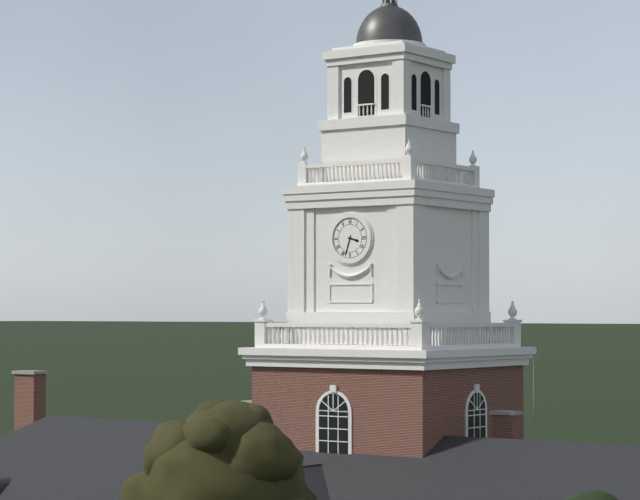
3:33
